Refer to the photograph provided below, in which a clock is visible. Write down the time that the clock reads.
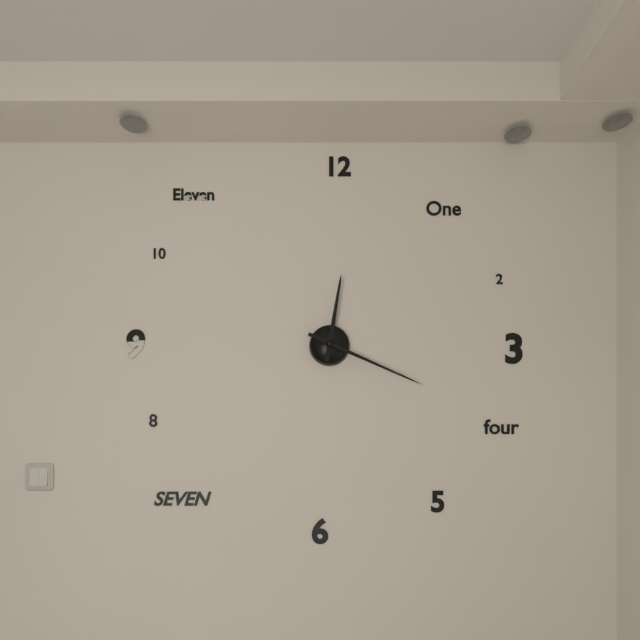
12:19
